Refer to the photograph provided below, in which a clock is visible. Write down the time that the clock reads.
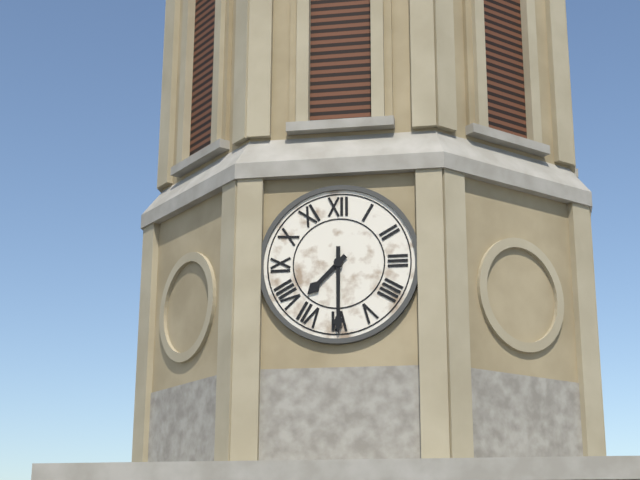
7:30
